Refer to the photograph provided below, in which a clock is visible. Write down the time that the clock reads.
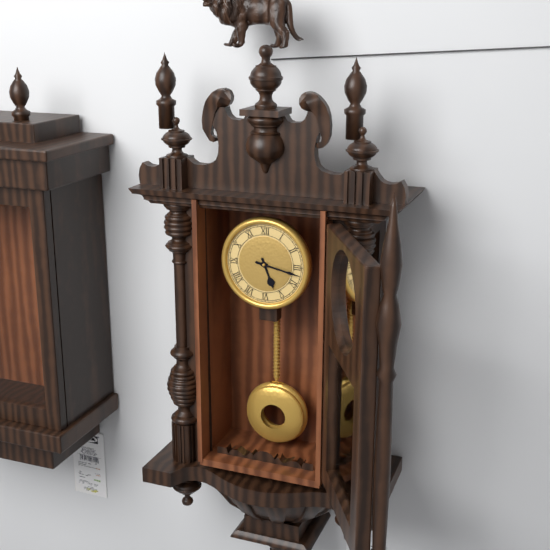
5:17
